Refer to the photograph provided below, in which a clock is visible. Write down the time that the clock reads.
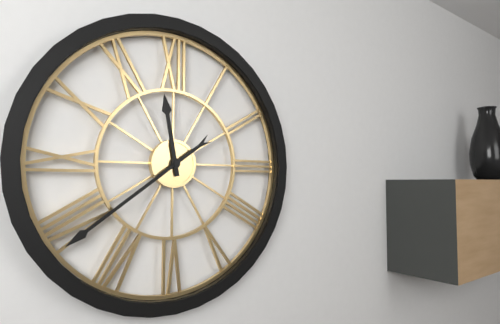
11:39
